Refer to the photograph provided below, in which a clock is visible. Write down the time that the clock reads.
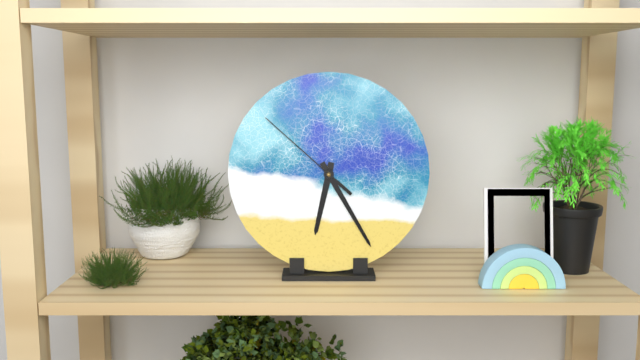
6:25:52
